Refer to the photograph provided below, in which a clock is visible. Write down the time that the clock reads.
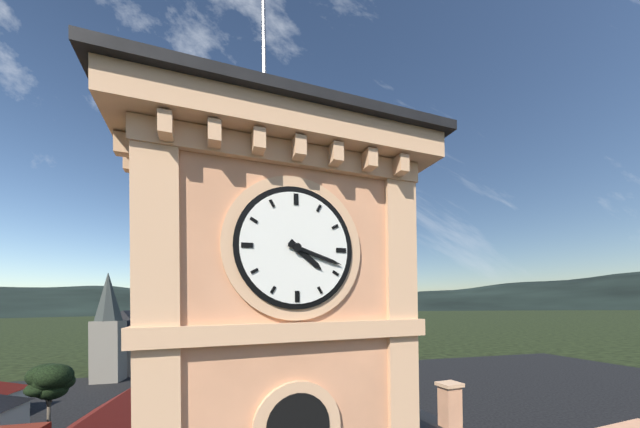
4:18
